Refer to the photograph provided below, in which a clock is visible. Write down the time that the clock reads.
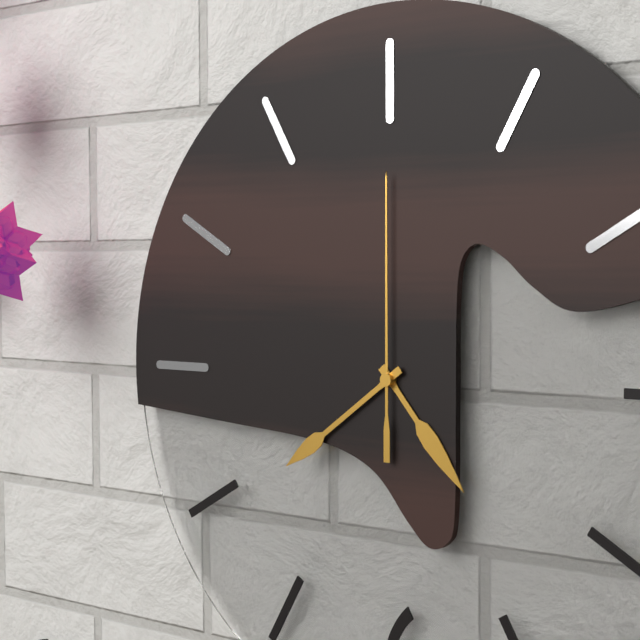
4:39:00
